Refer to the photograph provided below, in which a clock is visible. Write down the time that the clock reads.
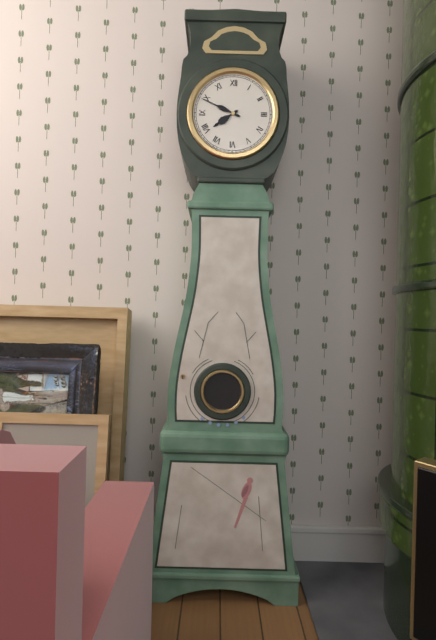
7:49
